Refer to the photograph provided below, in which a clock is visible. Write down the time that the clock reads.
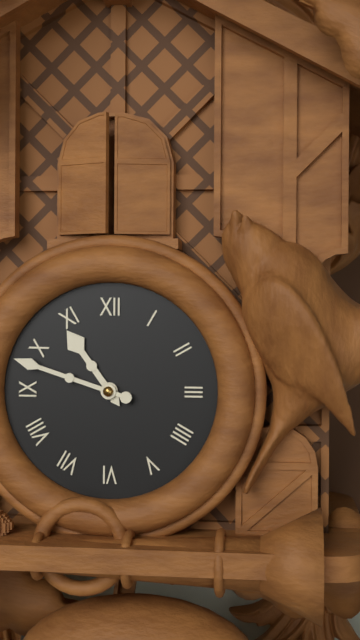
10:48
